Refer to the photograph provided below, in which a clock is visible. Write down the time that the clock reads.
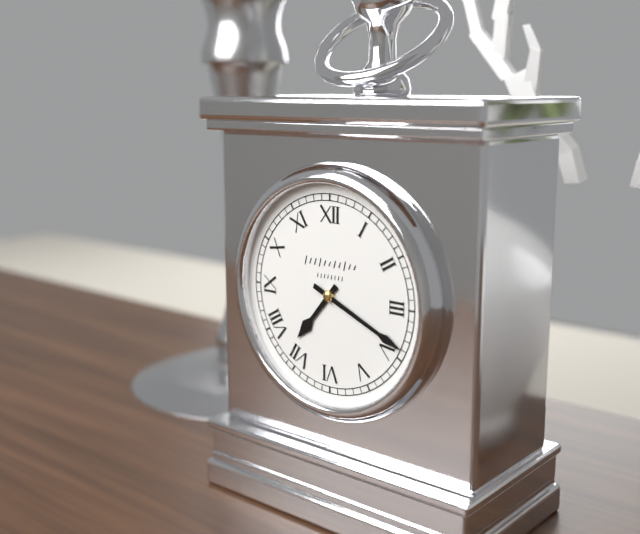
7:19
